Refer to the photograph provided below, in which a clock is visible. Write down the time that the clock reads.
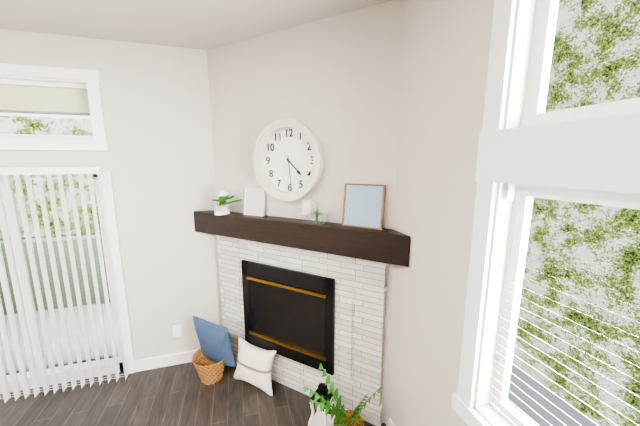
4:29
